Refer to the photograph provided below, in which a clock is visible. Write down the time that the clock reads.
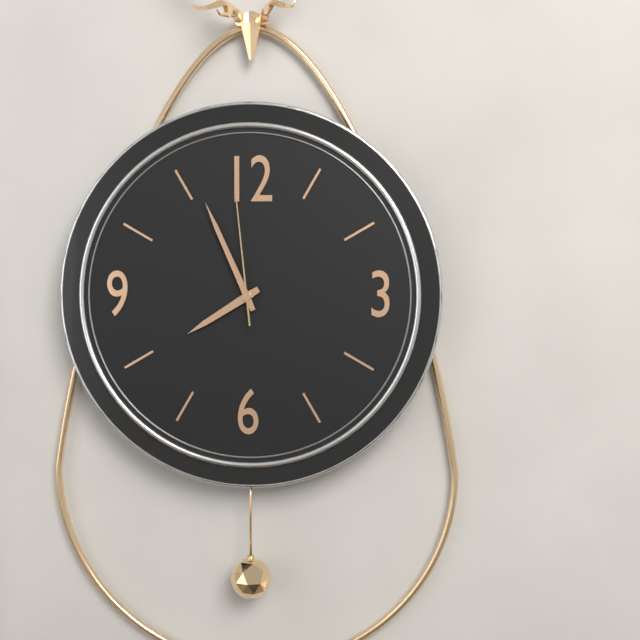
7:56:59
